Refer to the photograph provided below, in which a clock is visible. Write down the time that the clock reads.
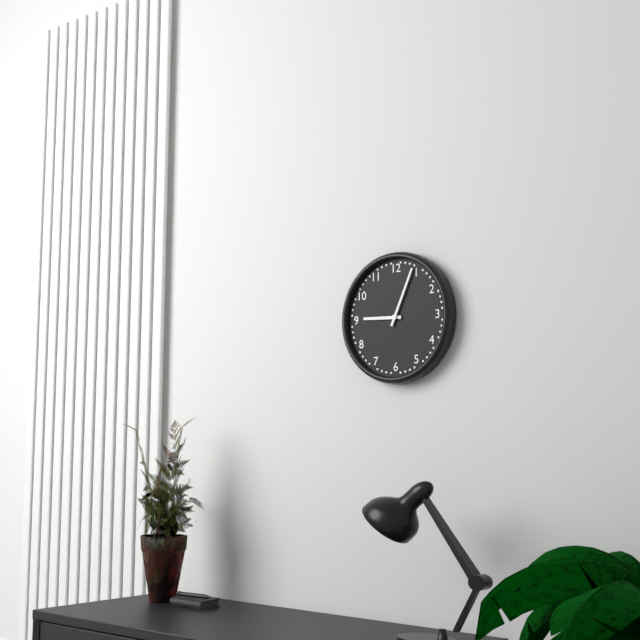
9:04
